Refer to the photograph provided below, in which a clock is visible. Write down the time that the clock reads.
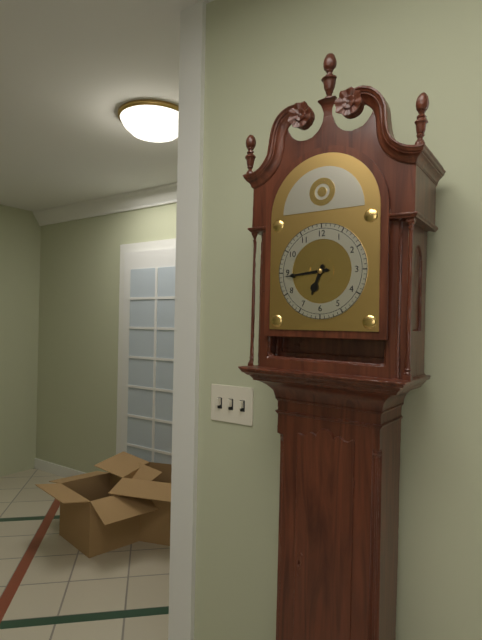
6:44
